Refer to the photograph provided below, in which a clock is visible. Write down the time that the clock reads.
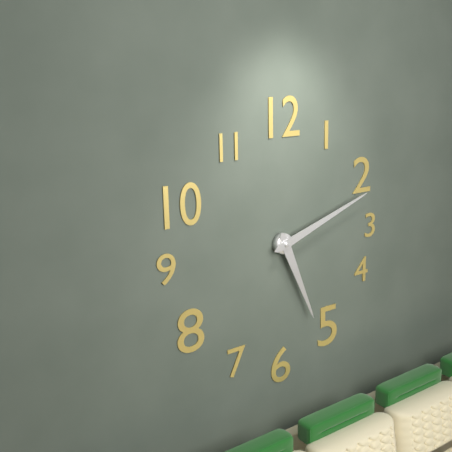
5:12
